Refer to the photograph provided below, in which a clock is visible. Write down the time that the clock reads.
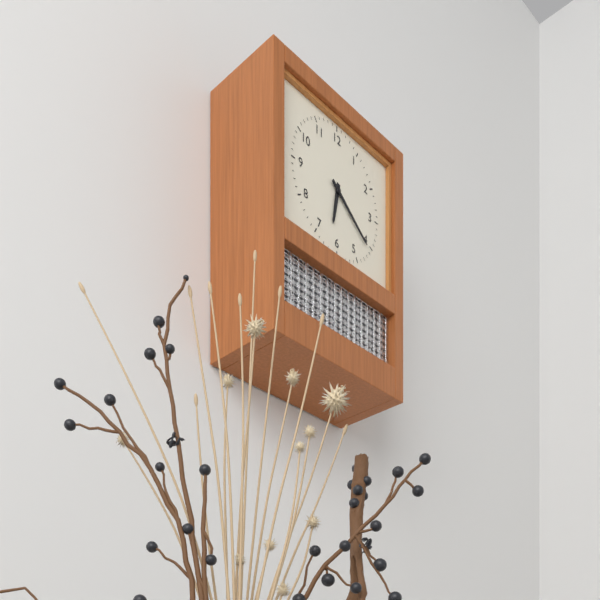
6:21
